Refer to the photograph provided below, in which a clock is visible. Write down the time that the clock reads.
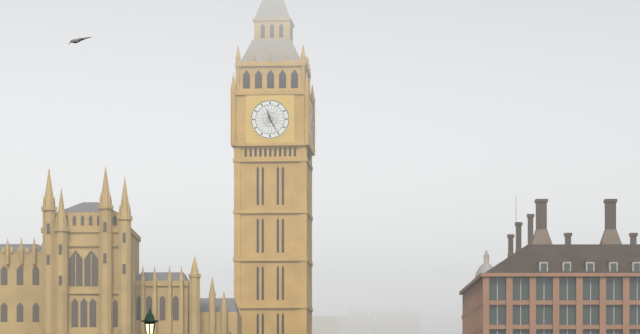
11:25
